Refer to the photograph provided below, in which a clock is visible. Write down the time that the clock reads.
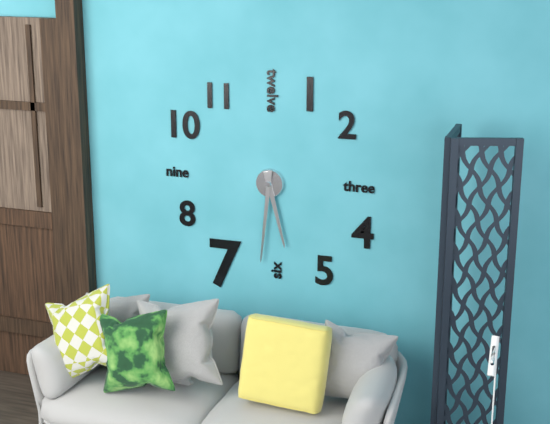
5:31
